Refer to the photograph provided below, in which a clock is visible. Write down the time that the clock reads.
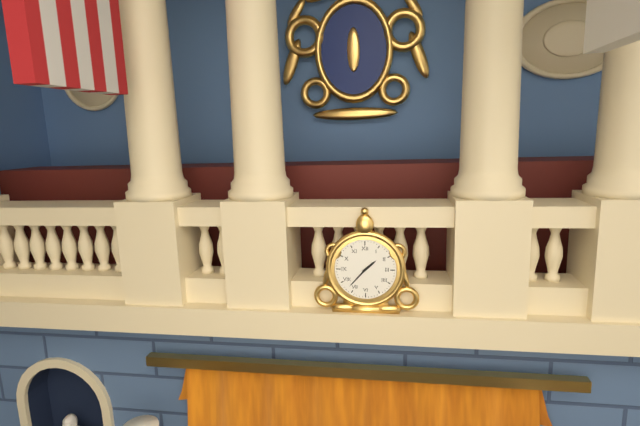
1:37
